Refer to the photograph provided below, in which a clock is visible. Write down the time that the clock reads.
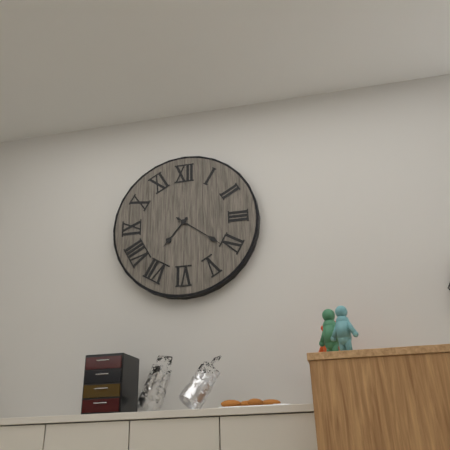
7:21
